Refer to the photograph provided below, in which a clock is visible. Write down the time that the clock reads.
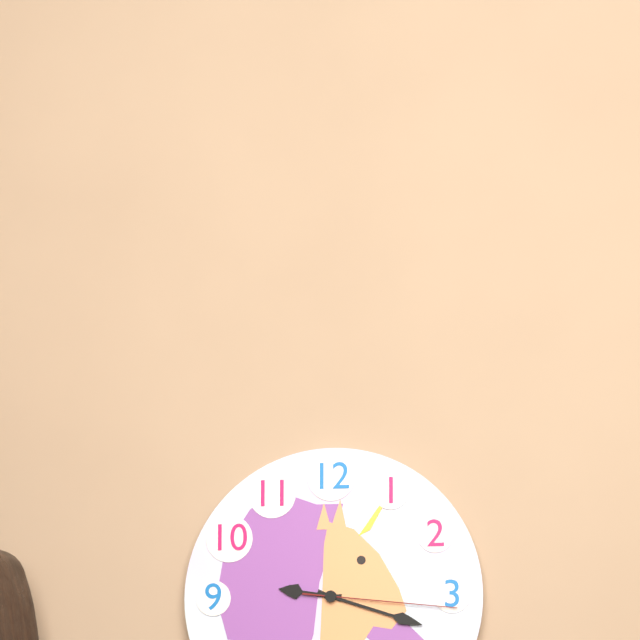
9:18:16
